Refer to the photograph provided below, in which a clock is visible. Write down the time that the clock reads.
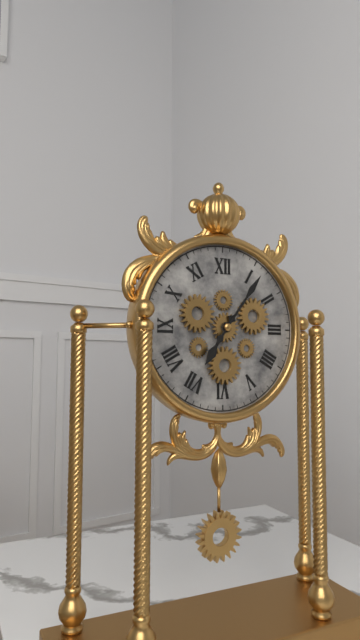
7:06
